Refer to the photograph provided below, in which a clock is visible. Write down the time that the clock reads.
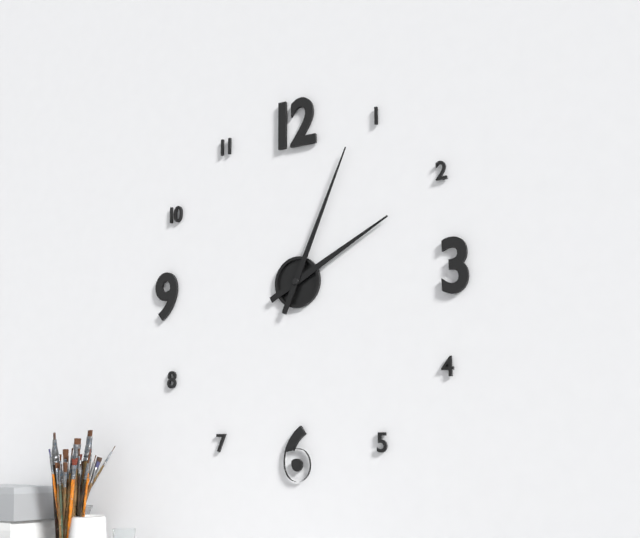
2:04
